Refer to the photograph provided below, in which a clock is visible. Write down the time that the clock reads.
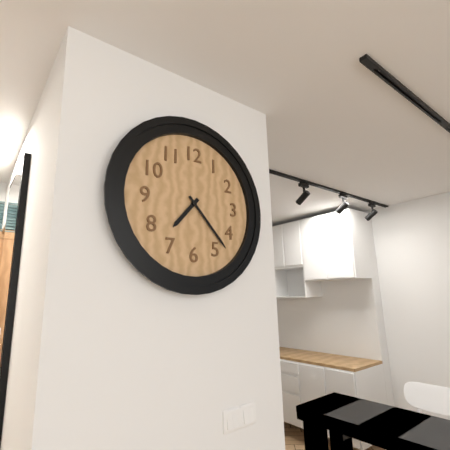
7:23
